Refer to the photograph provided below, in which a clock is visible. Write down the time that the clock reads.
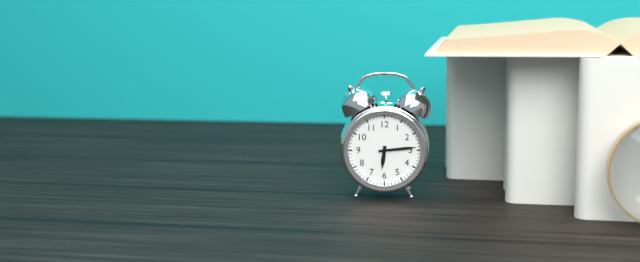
6:14
